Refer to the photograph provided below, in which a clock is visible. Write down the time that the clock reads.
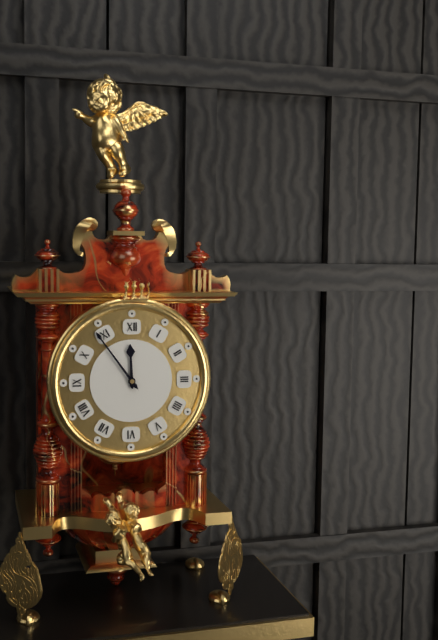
11:54
